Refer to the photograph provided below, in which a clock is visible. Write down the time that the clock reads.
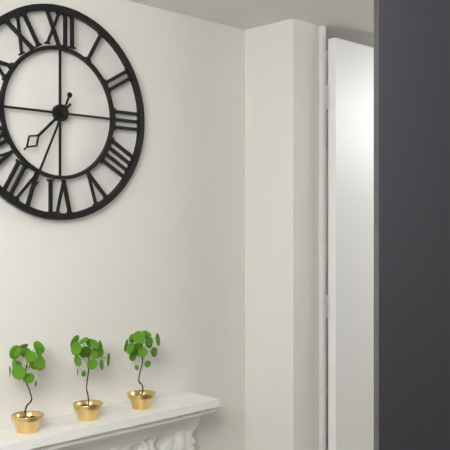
7:34
